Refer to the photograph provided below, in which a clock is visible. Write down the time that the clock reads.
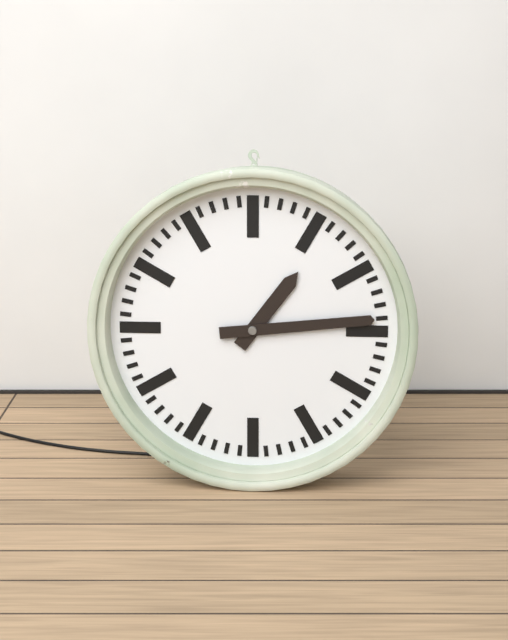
1:14
